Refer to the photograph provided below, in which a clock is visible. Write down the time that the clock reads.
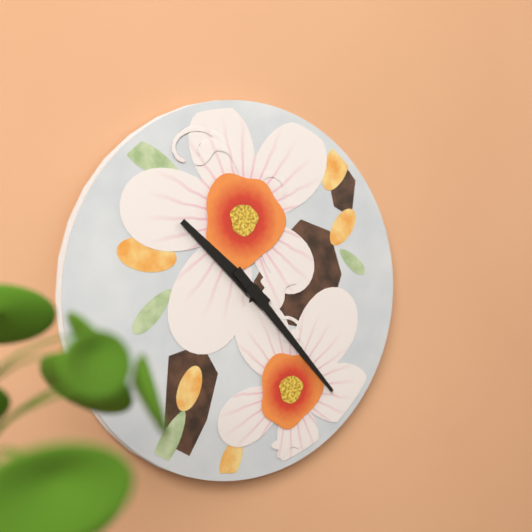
10:23
